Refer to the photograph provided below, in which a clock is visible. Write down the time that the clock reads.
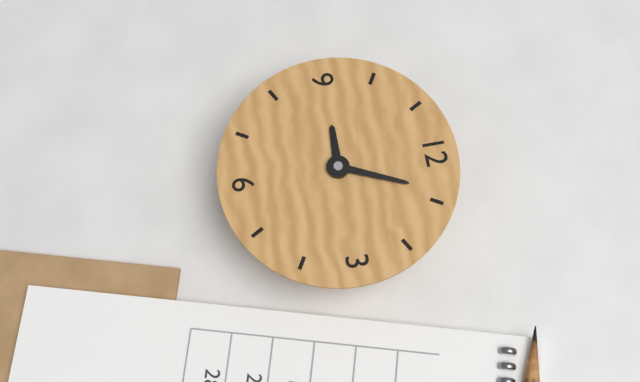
9:04
